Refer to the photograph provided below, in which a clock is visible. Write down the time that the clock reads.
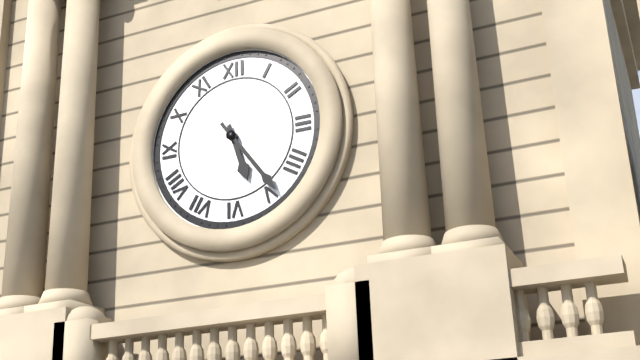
5:24
